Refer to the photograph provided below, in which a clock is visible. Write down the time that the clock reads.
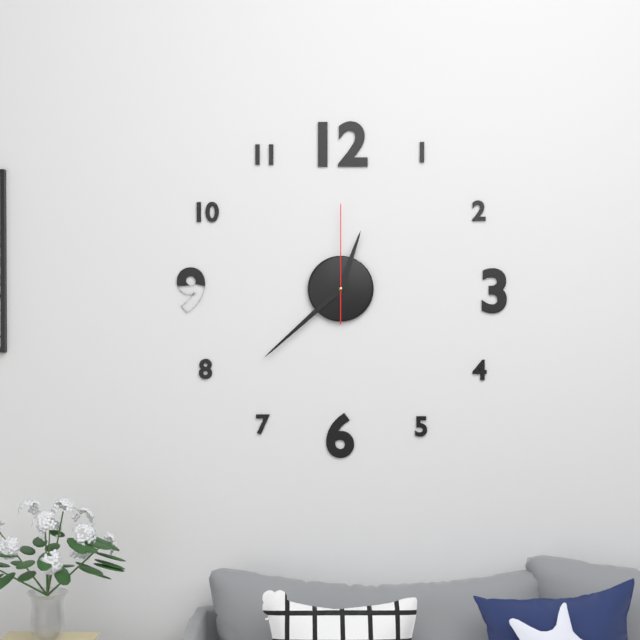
12:38:00
